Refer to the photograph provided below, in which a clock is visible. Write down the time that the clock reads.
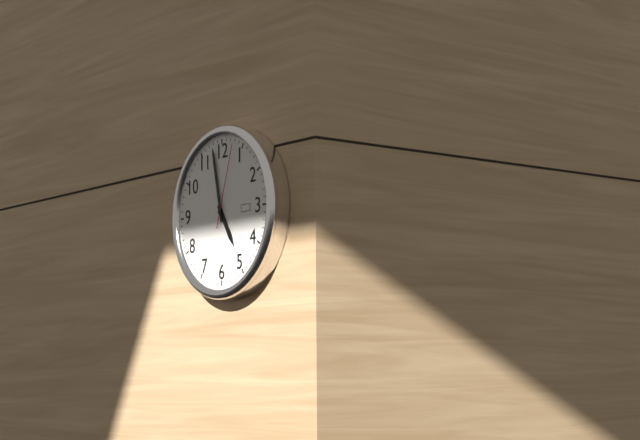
4:58:03
